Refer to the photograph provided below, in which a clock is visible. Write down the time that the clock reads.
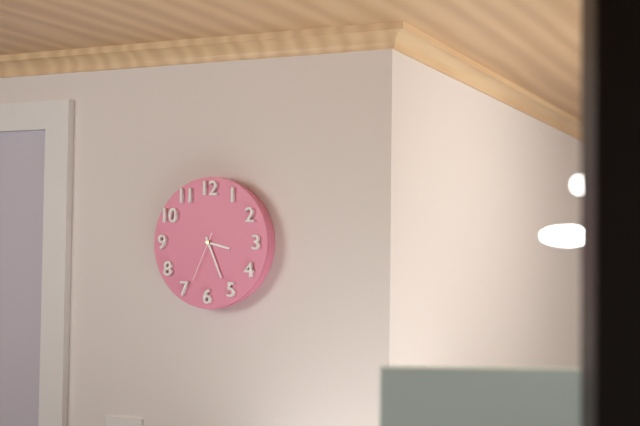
3:26:34
